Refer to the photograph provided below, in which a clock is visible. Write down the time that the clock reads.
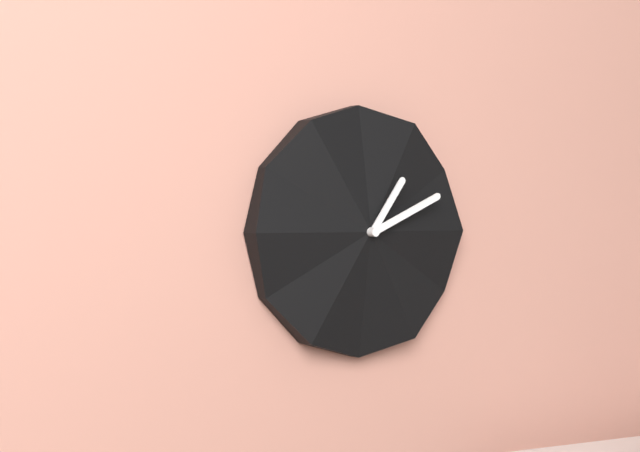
1:11
